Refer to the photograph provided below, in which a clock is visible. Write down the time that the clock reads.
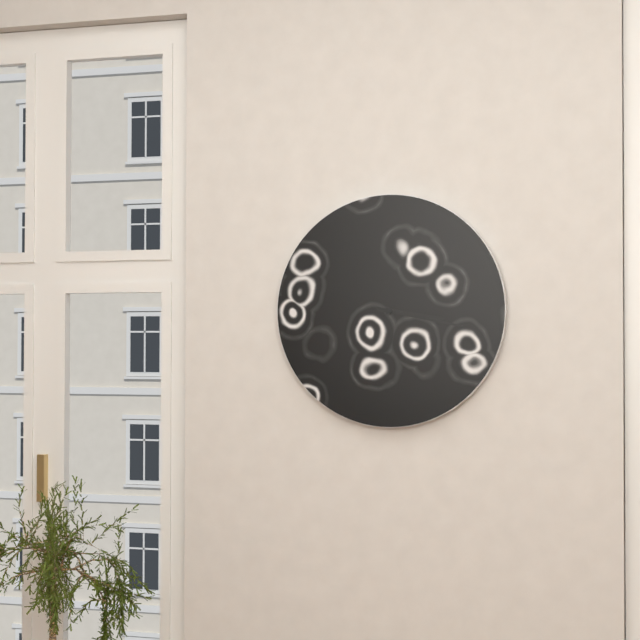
3:17
